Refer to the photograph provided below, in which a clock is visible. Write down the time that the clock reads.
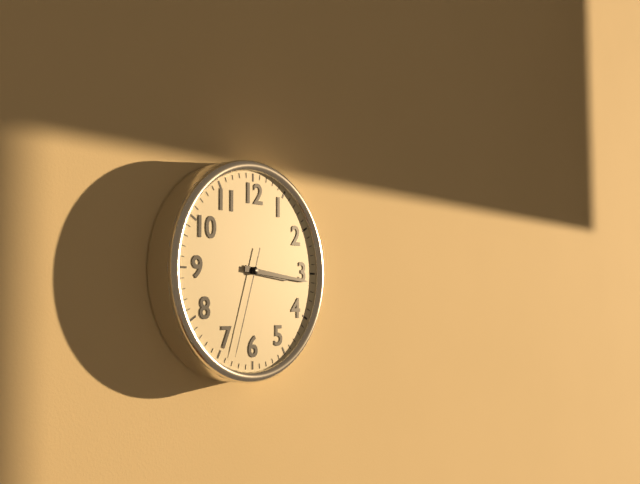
3:16:33
